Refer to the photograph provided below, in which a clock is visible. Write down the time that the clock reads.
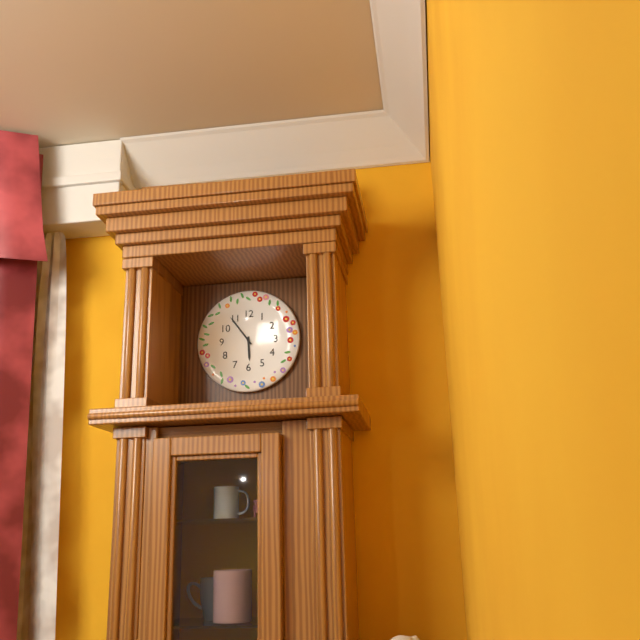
5:54
